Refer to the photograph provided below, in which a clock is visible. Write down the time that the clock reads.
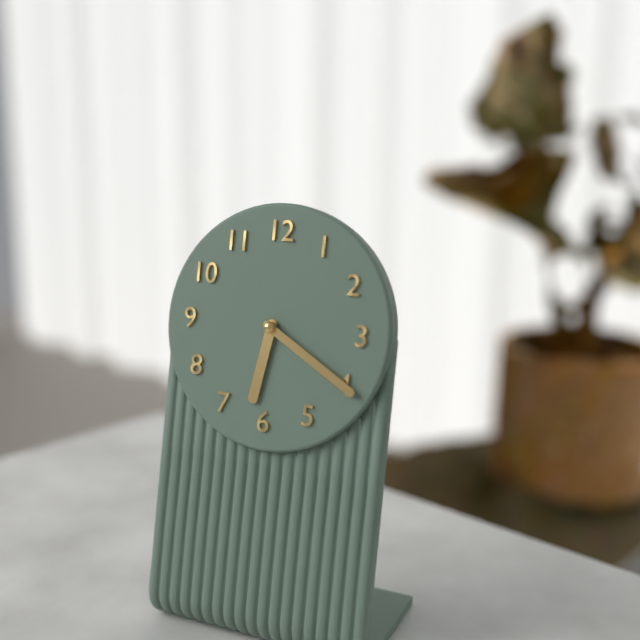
6:20
